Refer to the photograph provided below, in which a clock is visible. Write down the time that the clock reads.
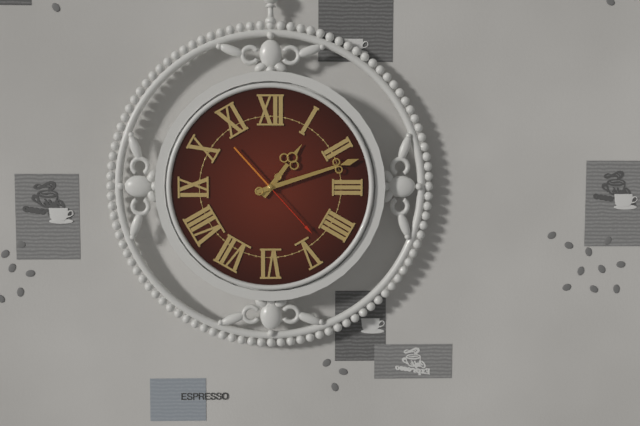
1:12:23
